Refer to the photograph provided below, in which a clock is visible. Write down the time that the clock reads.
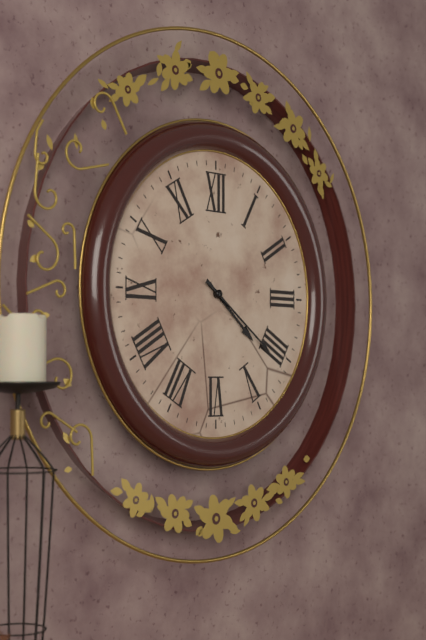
4:21
